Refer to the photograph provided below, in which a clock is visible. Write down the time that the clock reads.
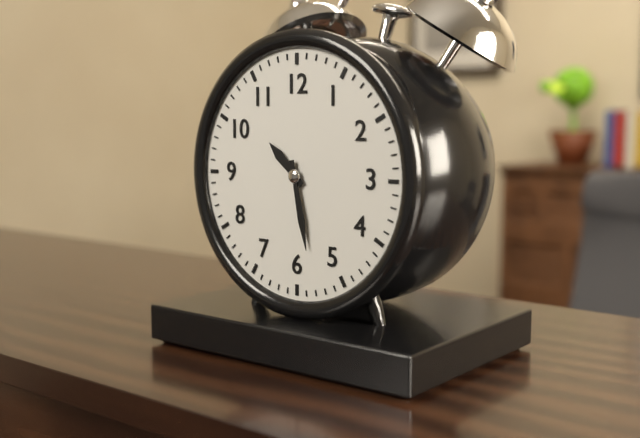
10:28
